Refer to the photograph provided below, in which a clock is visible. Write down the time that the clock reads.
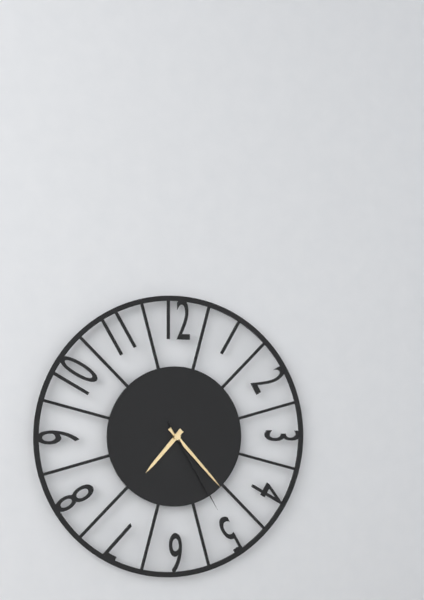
7:23:25
